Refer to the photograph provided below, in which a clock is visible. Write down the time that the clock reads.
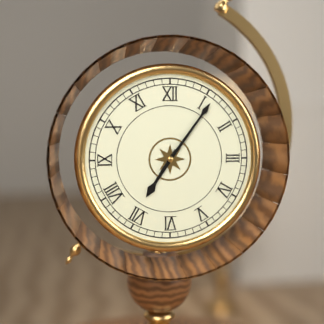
7:06
